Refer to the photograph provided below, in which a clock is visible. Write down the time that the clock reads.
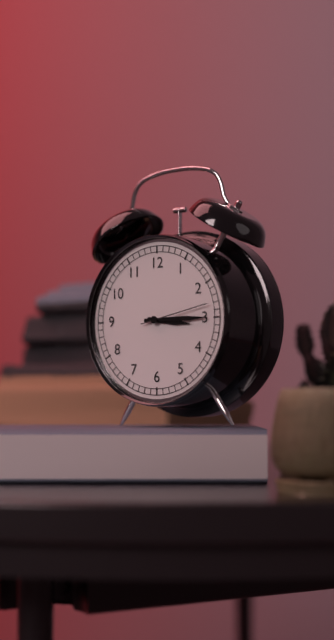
3:15:13
